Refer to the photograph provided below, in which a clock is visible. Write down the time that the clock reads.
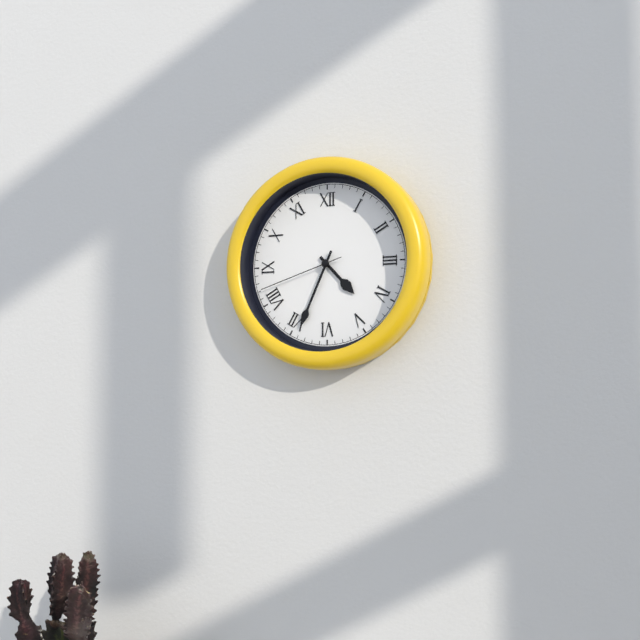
4:34:42
